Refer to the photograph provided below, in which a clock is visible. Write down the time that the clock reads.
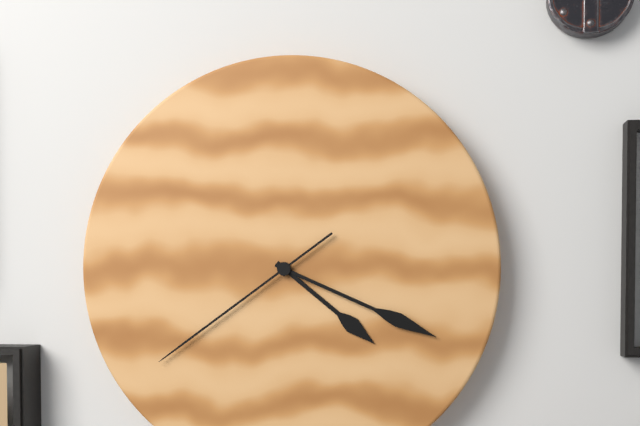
4:19:39
